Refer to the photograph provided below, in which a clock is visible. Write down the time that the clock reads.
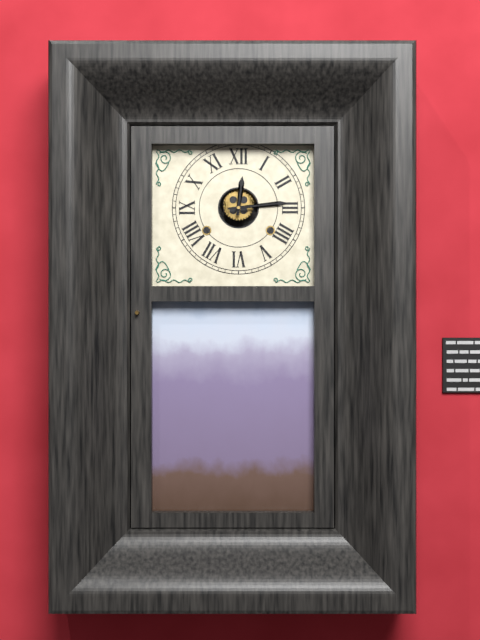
12:14
